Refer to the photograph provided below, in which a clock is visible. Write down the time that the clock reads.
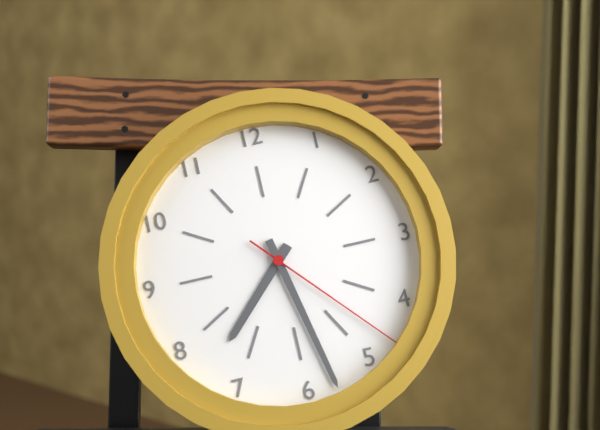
7:28:23
